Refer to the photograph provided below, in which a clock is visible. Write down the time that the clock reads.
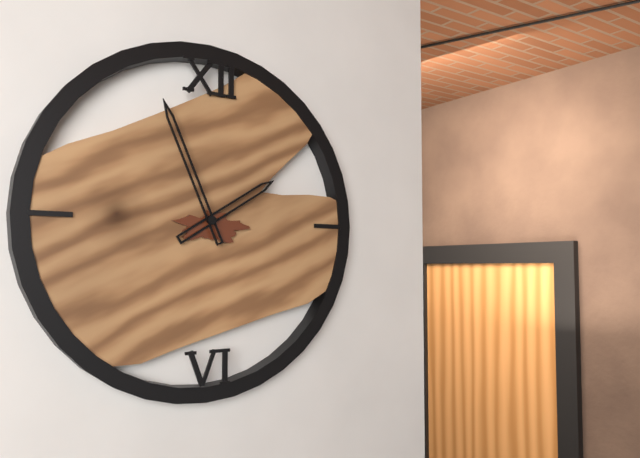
1:56
